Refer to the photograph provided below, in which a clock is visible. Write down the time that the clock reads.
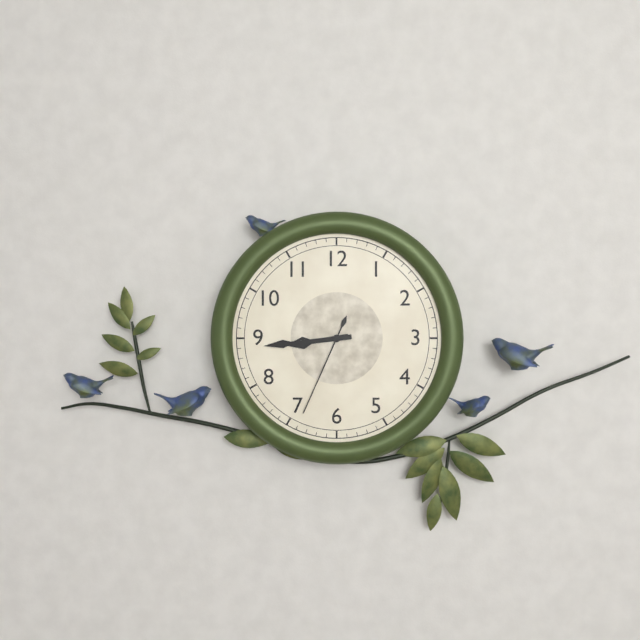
8:44:34
